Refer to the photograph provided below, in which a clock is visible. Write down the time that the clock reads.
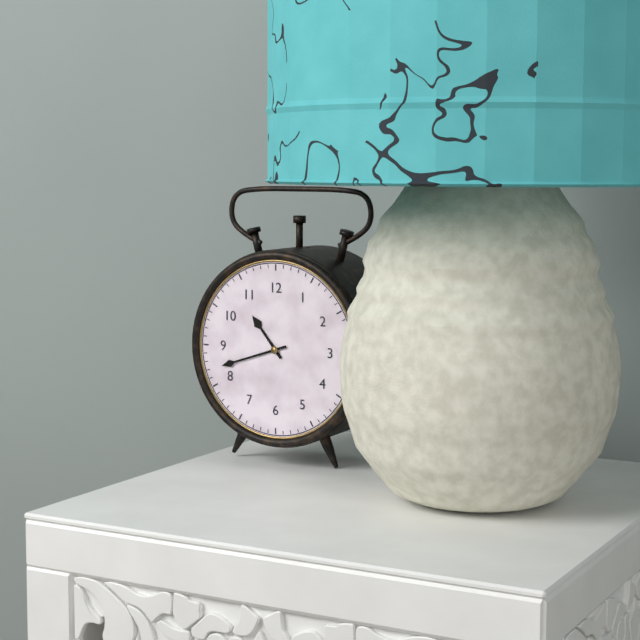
10:42
